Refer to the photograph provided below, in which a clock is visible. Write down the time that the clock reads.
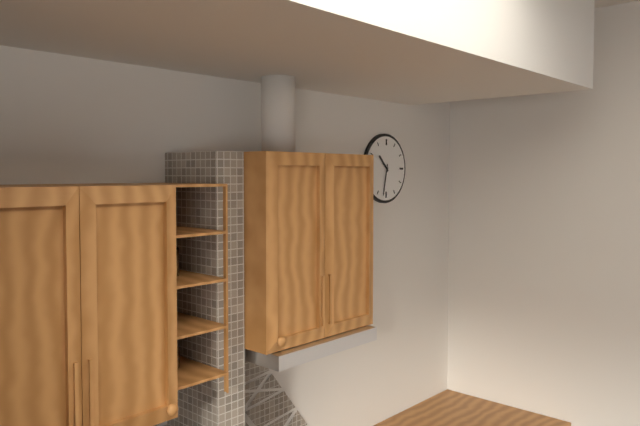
10:32
